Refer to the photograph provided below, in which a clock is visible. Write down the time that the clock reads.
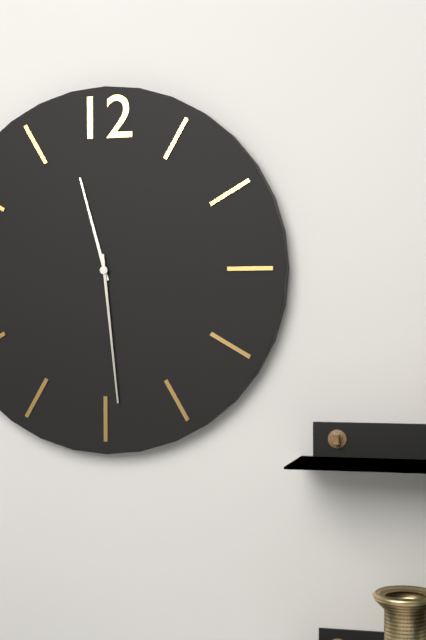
11:29
